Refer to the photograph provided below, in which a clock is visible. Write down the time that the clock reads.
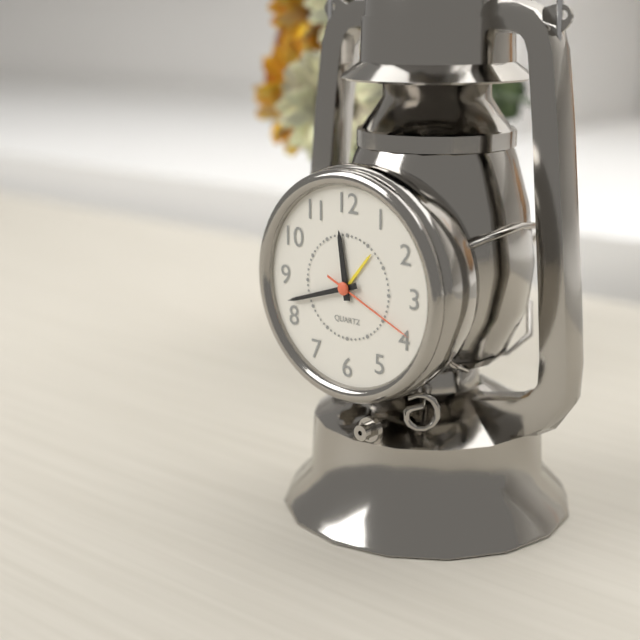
11:42:19
